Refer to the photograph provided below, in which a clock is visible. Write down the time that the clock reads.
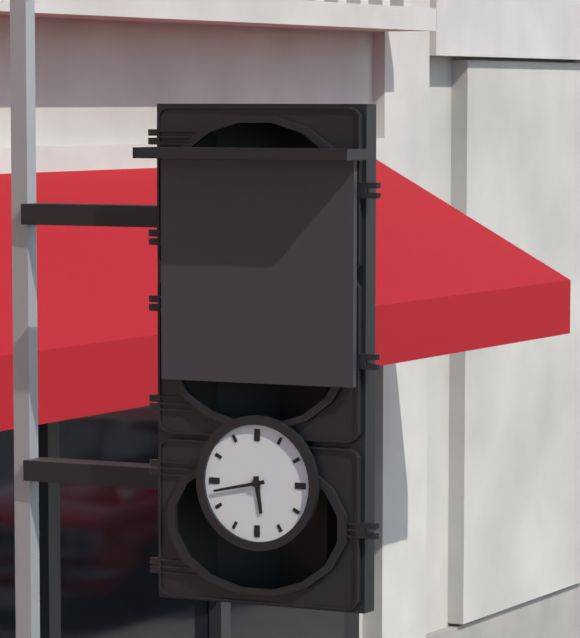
5:43
